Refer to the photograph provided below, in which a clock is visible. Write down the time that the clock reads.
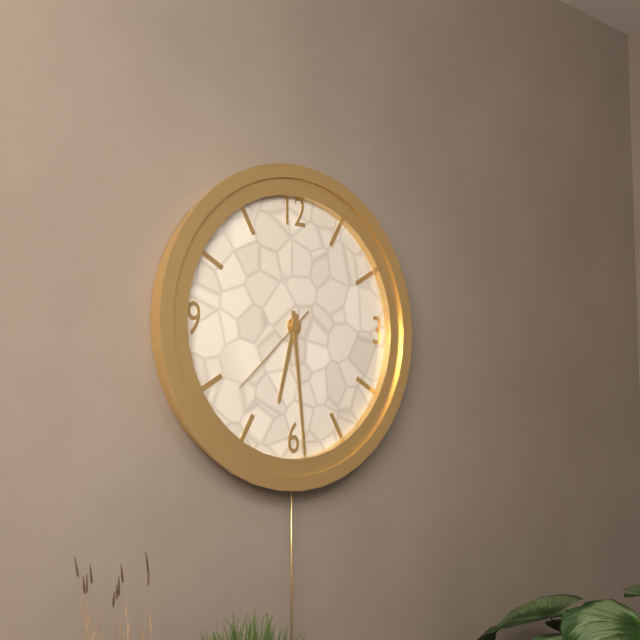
6:29:38
